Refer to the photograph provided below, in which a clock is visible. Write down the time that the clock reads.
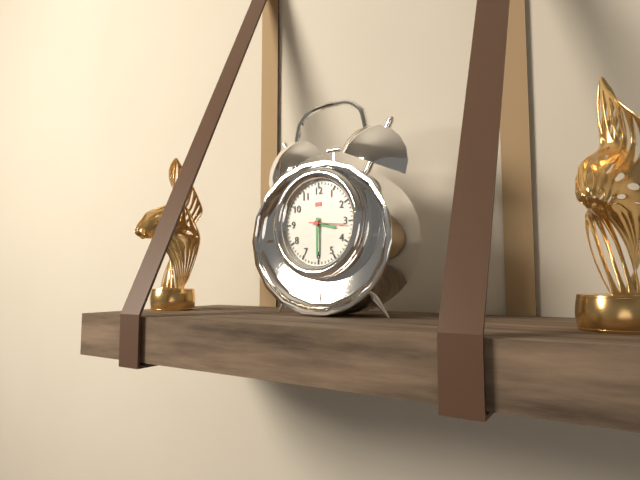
3:30
